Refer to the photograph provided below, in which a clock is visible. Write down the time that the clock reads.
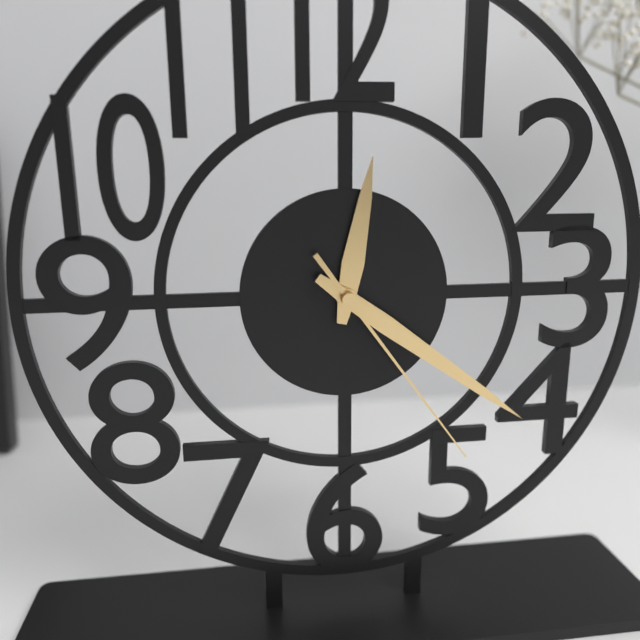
12:21:24
